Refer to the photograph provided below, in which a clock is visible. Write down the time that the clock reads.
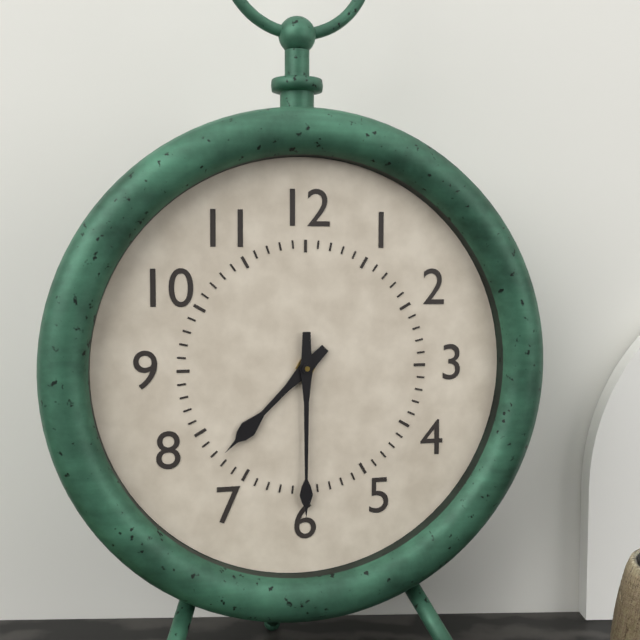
7:30
